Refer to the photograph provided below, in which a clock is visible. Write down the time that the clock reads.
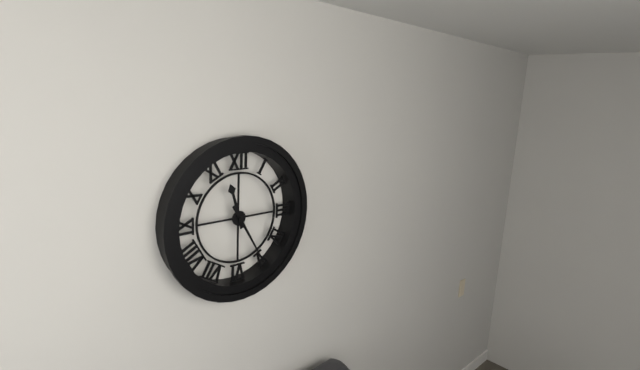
11:25
